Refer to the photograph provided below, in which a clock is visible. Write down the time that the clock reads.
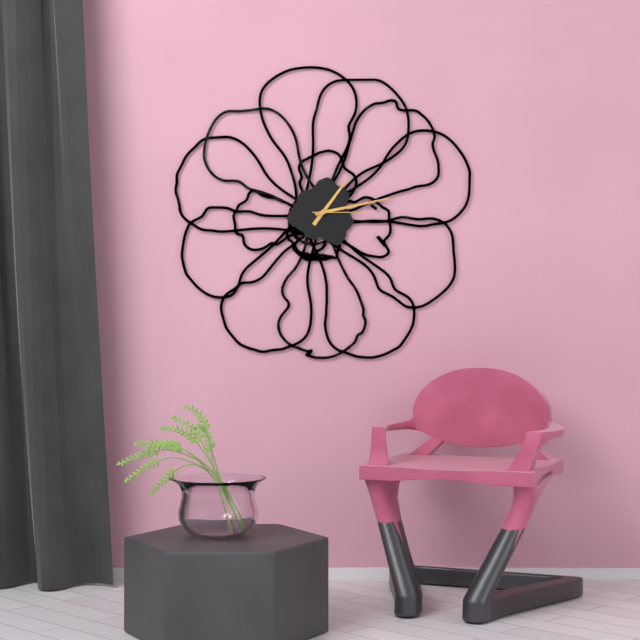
1:13:15
